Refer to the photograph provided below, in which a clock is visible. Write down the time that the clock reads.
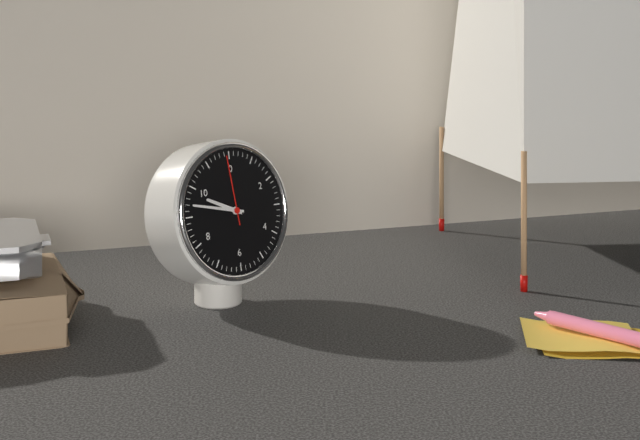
9:47:59
